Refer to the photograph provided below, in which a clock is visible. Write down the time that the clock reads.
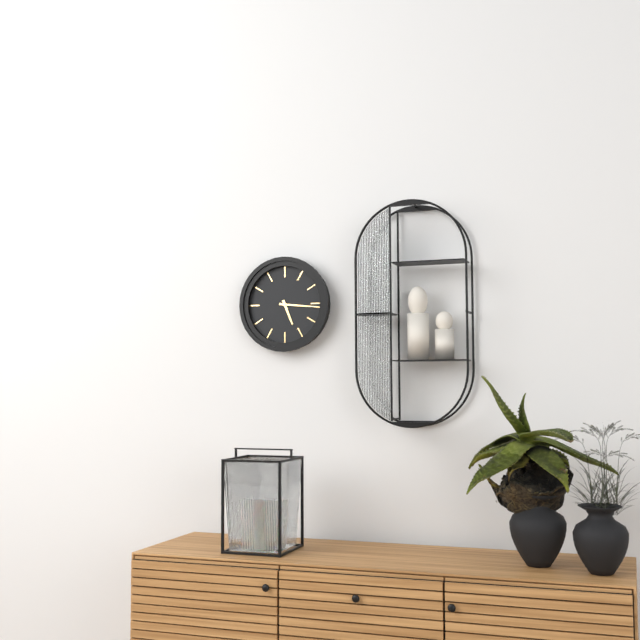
5:16
